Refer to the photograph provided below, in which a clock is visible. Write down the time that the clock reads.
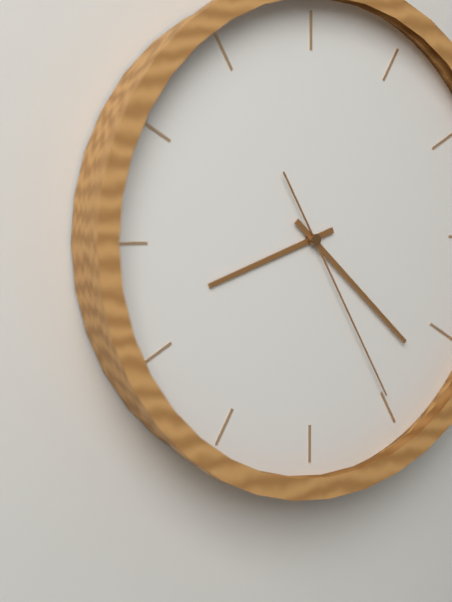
8:22:25
